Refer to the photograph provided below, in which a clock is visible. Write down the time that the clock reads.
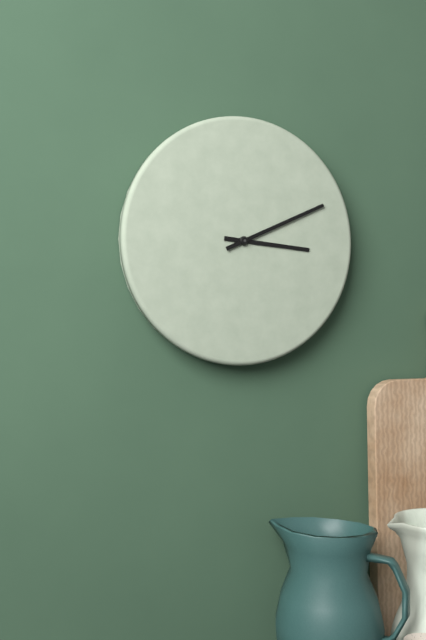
3:11
